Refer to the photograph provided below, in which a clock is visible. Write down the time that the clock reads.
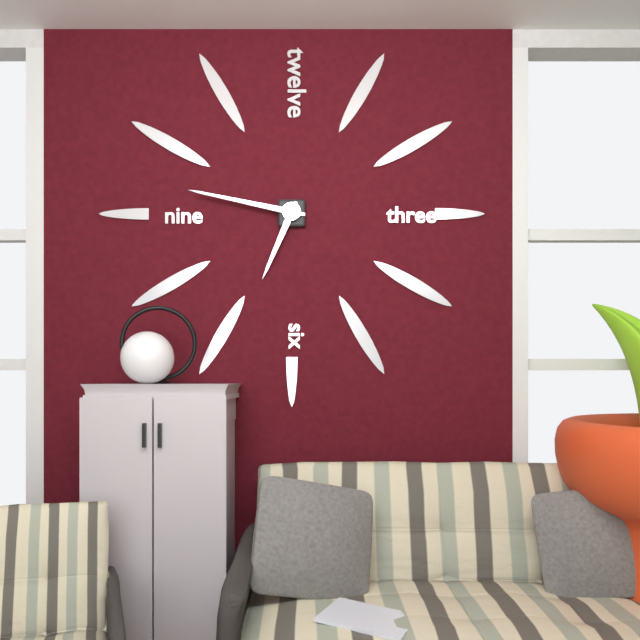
6:47
